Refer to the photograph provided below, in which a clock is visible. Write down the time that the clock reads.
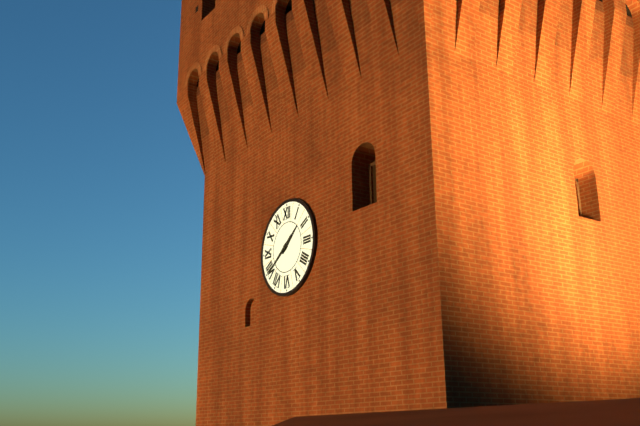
1:39
